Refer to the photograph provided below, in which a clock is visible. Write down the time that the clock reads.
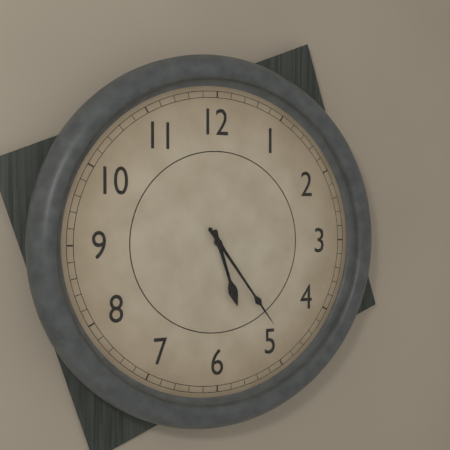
5:24
